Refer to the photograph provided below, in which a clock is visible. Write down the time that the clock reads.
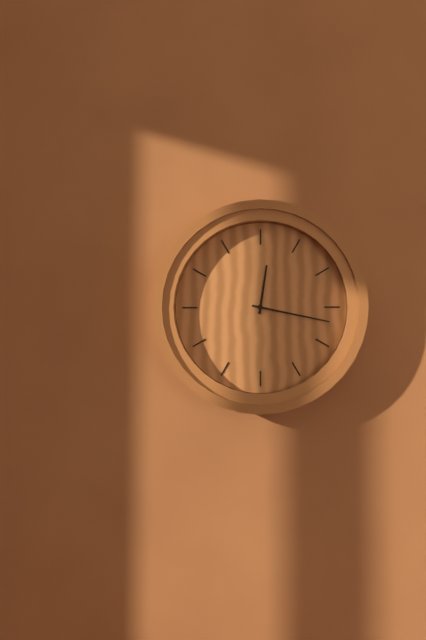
12:17
